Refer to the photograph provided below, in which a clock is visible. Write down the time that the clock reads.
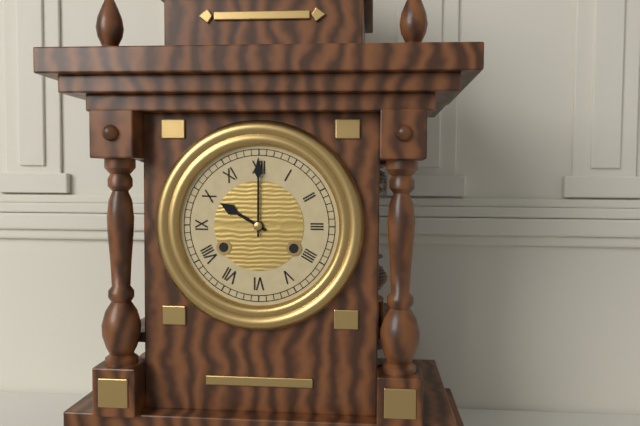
10:00
